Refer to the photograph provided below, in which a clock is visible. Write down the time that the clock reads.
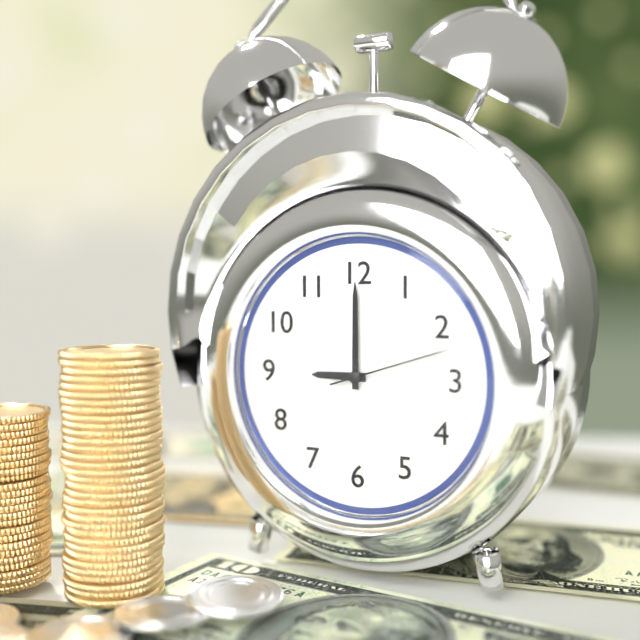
9:00:12
